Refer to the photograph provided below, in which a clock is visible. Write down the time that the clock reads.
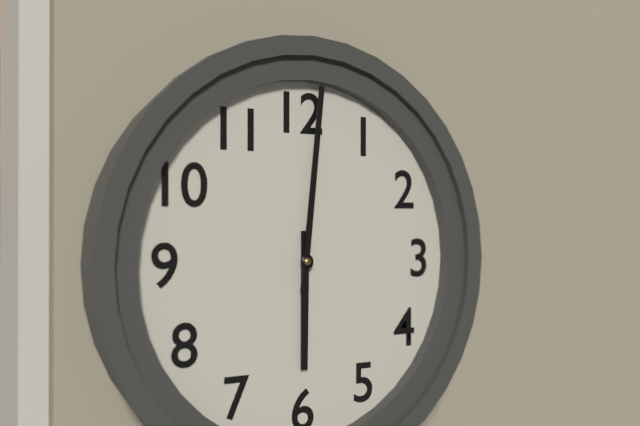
6:01
